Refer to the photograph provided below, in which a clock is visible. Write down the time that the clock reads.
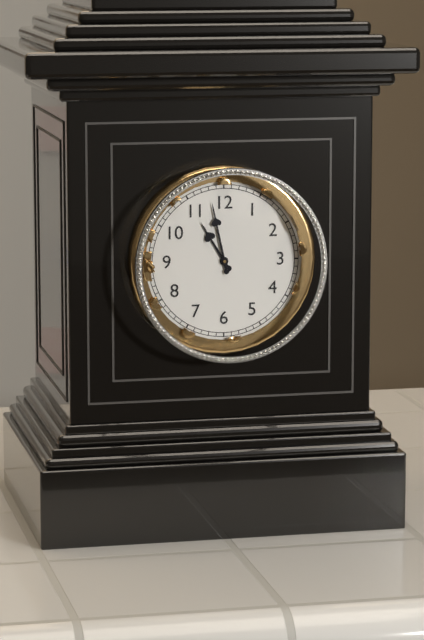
10:58
